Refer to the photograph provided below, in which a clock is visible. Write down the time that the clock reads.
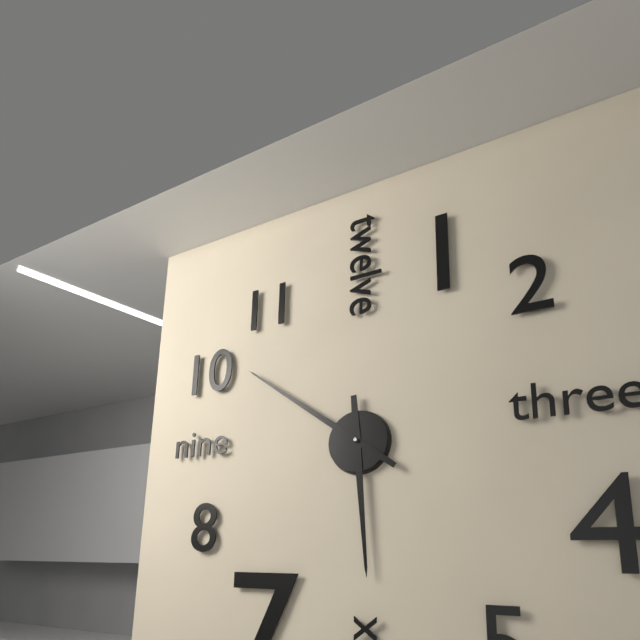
5:51
